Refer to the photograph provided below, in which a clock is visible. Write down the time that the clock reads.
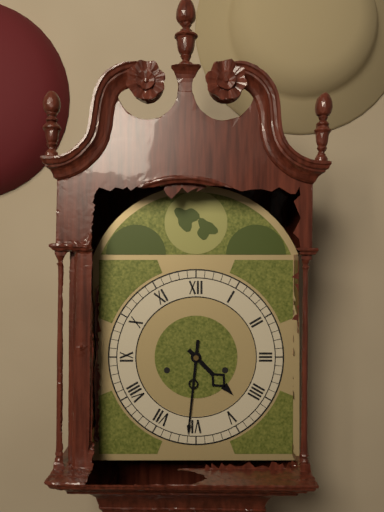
4:31
